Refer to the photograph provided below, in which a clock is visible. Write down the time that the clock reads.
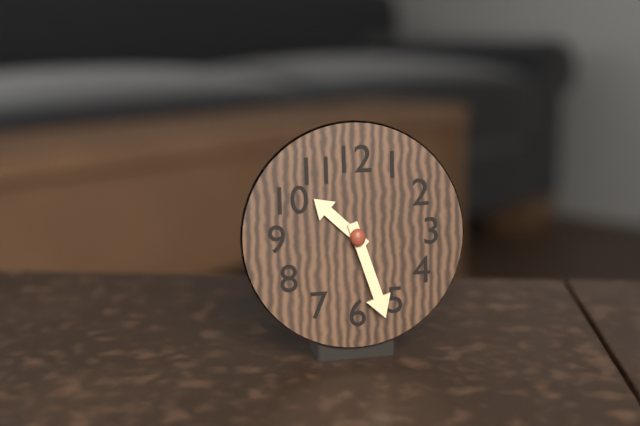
10:27
